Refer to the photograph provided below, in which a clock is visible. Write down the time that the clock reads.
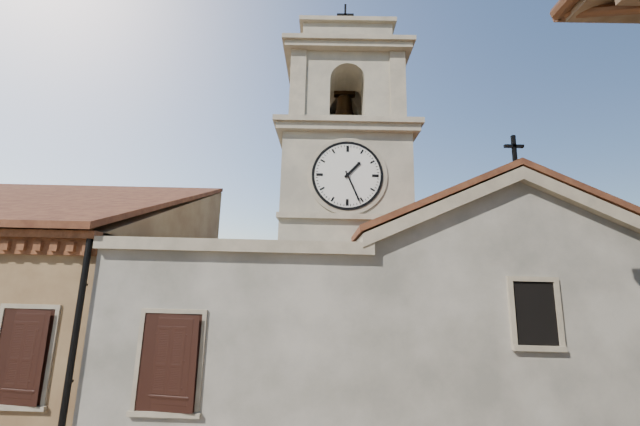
1:26
